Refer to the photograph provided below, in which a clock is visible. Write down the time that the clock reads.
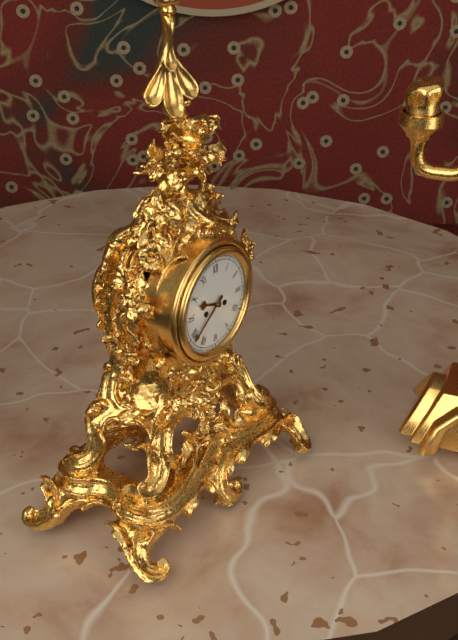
9:39
